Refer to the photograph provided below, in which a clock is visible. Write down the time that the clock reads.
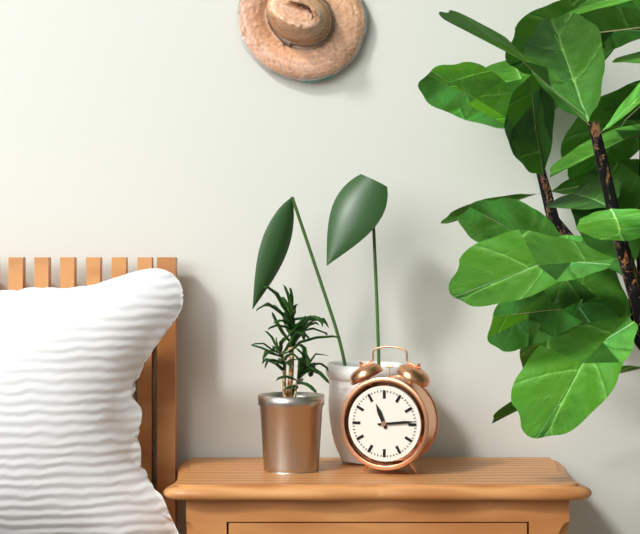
11:14
